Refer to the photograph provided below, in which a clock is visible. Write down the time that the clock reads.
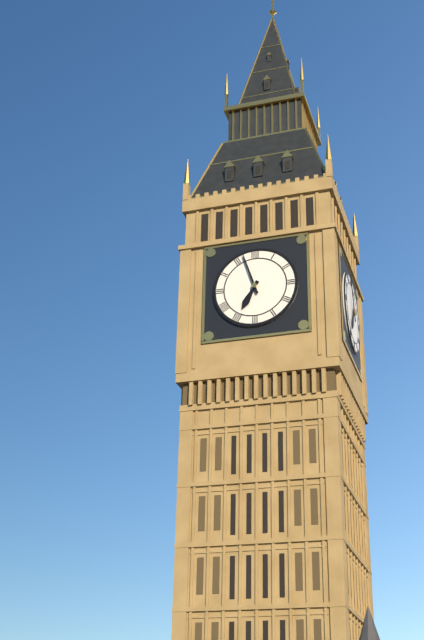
6:57
